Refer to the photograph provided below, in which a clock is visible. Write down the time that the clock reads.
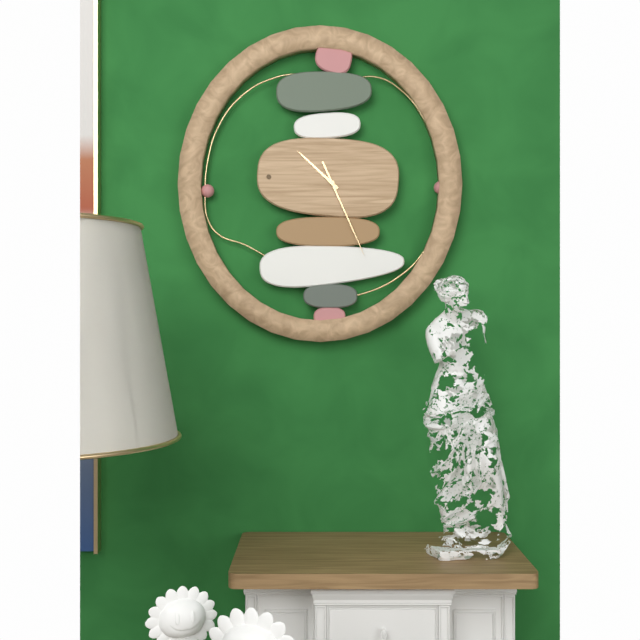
10:26
